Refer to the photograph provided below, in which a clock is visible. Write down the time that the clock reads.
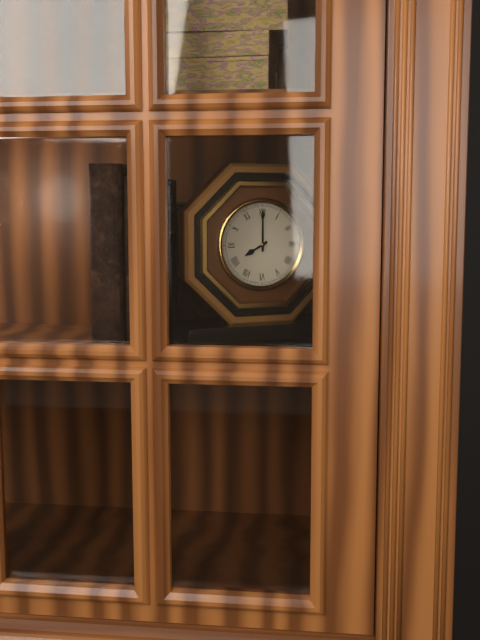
8:00
